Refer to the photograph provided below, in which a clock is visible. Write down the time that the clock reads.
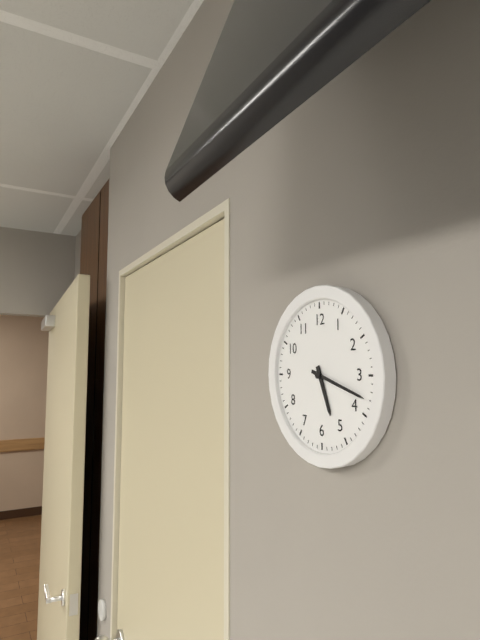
5:18
